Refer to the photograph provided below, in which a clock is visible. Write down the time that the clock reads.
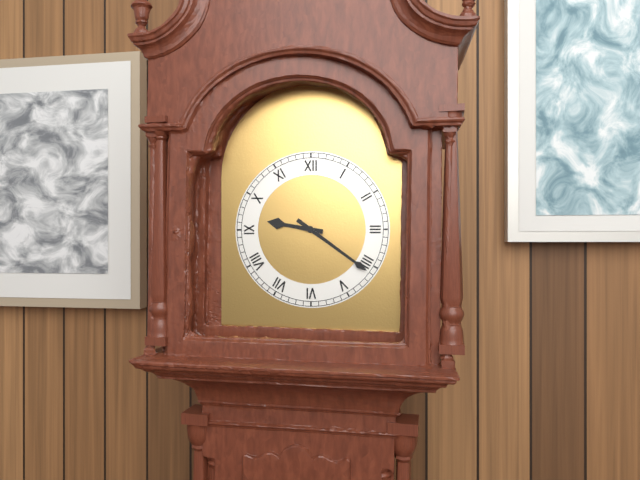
9:21
